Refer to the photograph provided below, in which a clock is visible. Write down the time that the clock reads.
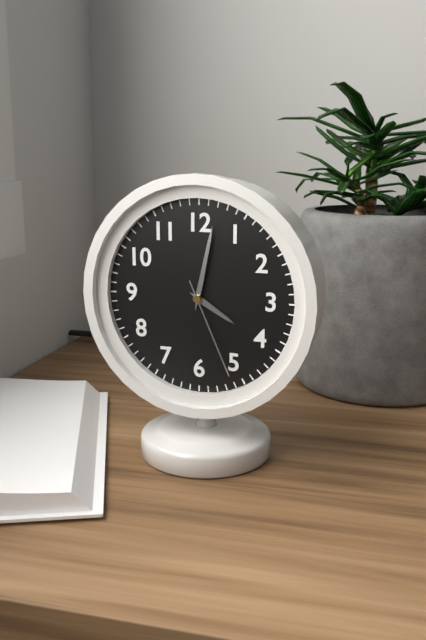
4:02:26
